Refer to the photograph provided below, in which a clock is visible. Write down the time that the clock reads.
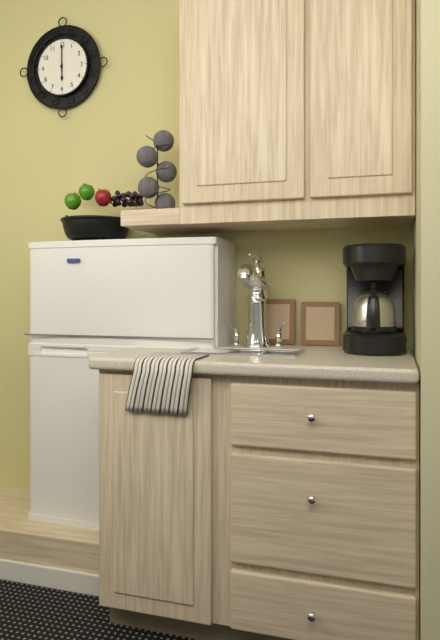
6:00
